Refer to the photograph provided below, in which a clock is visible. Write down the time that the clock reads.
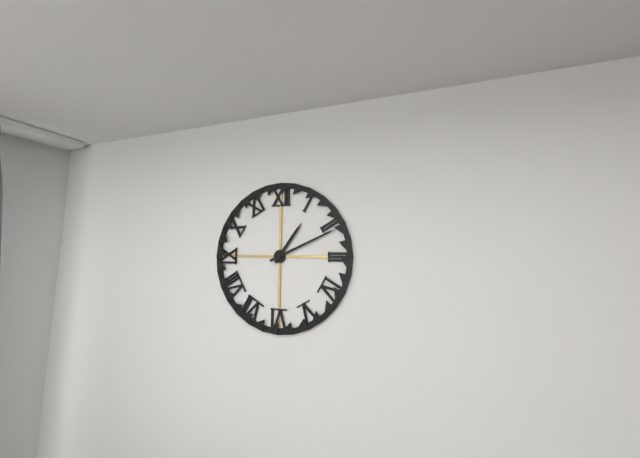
1:11
